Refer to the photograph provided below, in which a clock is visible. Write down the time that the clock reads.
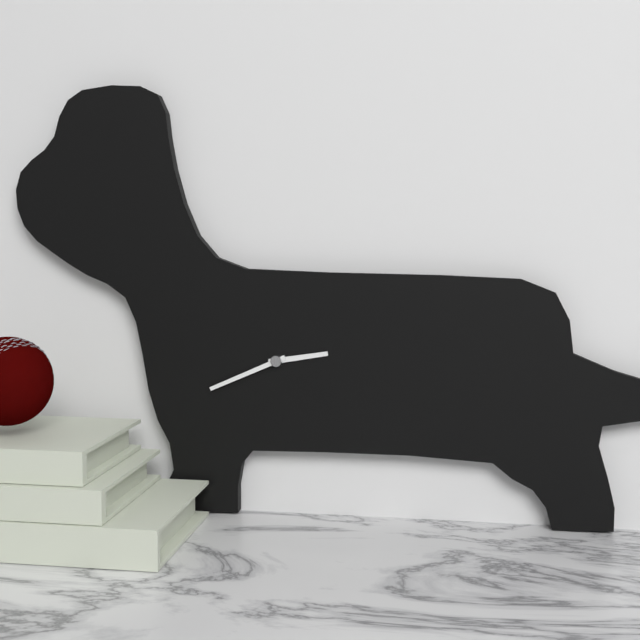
2:41
